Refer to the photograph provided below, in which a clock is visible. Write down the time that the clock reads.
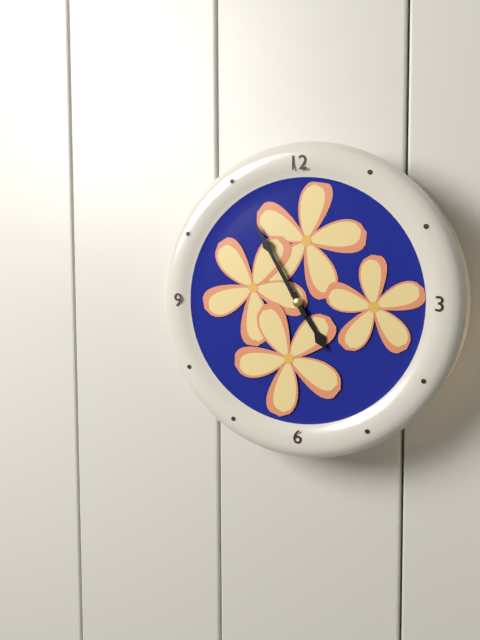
4:55
